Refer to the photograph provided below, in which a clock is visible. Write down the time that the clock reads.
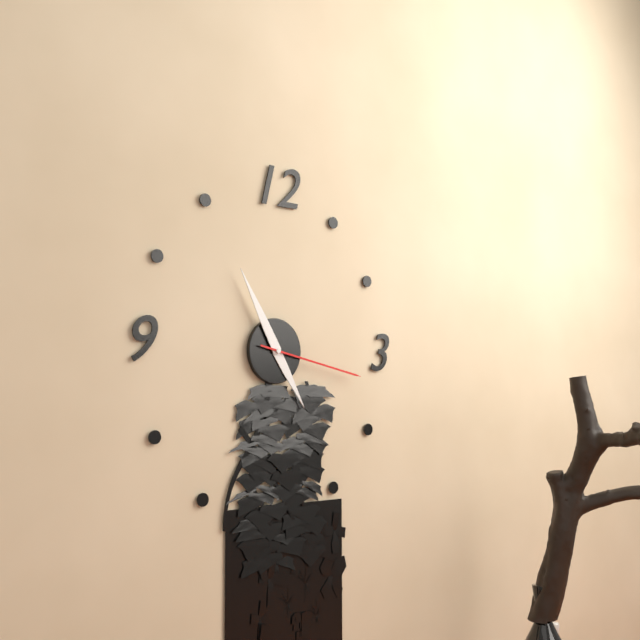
4:55:17
